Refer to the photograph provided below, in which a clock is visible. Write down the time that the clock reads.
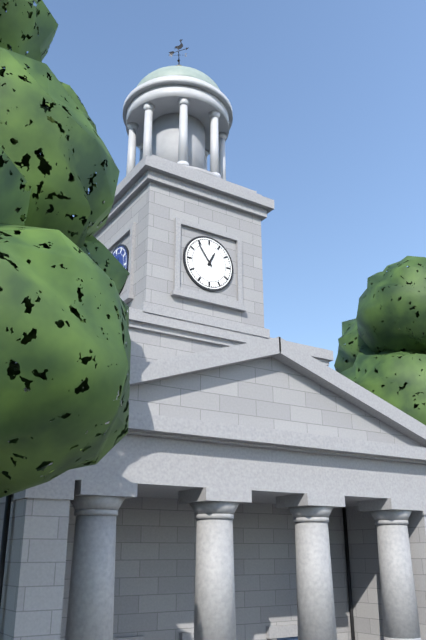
12:54
